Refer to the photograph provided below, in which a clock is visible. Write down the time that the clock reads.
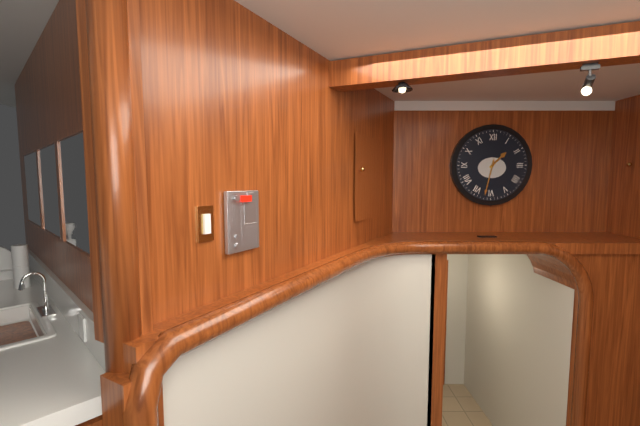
1:32
